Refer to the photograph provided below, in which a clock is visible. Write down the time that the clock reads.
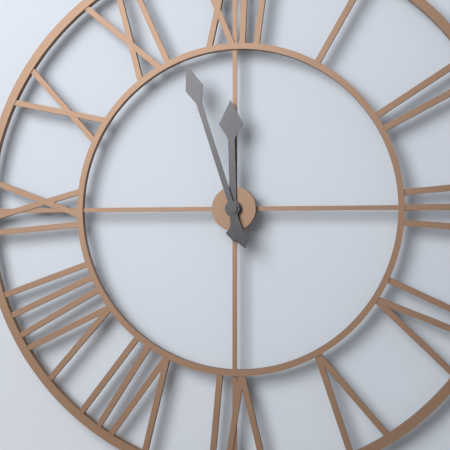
11:57
